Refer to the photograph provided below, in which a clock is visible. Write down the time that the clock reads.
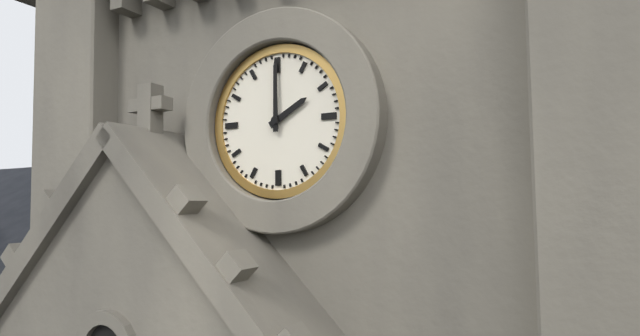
2:00
